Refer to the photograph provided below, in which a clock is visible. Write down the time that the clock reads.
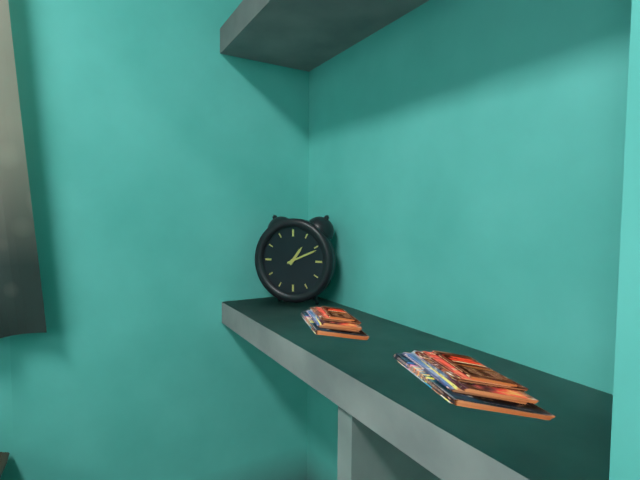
1:11
